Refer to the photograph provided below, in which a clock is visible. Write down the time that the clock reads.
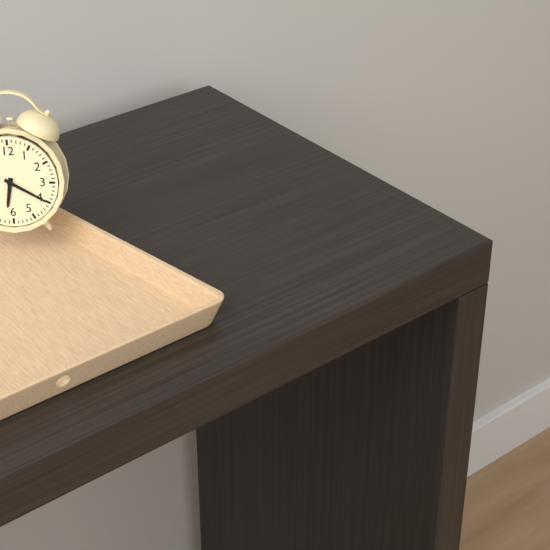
6:20
